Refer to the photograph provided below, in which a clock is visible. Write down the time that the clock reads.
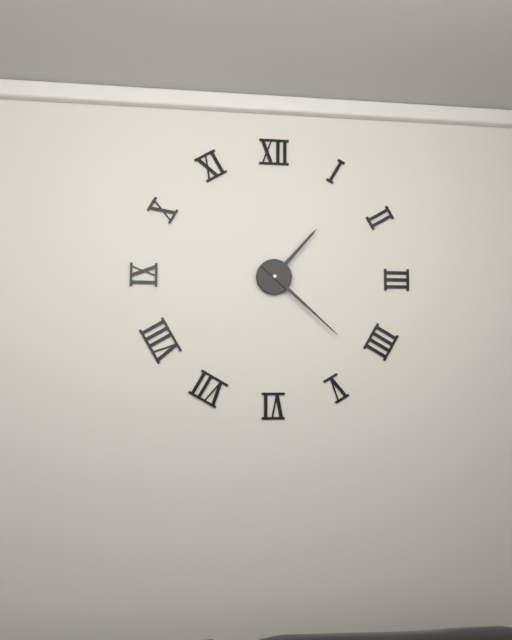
1:22
